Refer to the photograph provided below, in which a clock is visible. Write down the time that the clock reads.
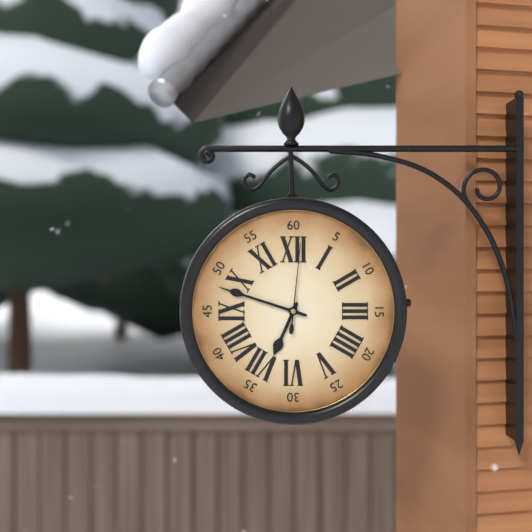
6:48:01
